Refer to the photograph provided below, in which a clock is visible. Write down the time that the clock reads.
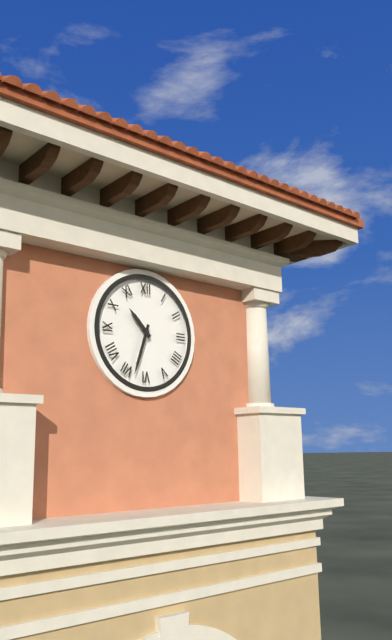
10:33
